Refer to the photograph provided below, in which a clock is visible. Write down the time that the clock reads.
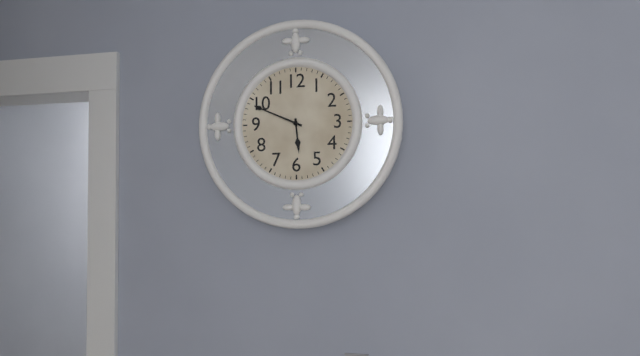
5:49
